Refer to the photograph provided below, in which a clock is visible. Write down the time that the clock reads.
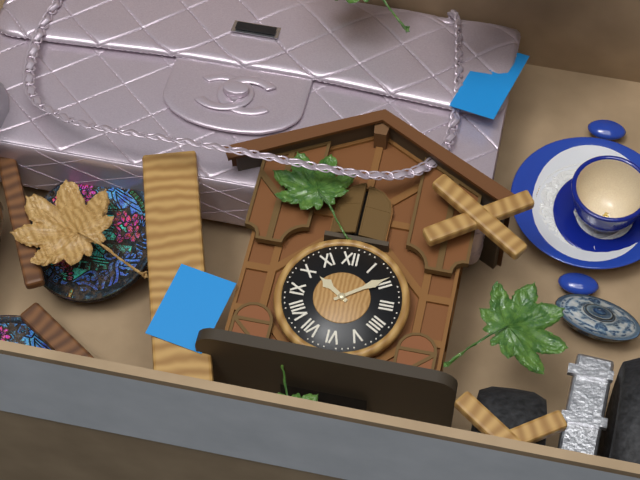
10:09
